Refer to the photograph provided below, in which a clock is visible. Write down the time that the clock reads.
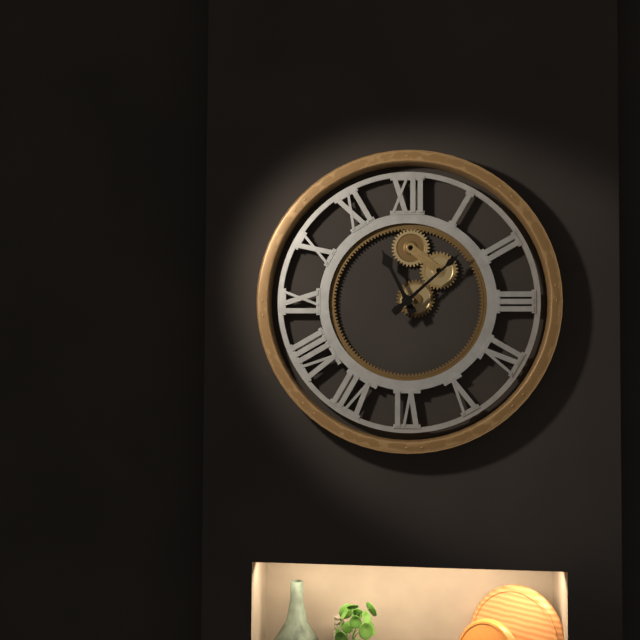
11:08
